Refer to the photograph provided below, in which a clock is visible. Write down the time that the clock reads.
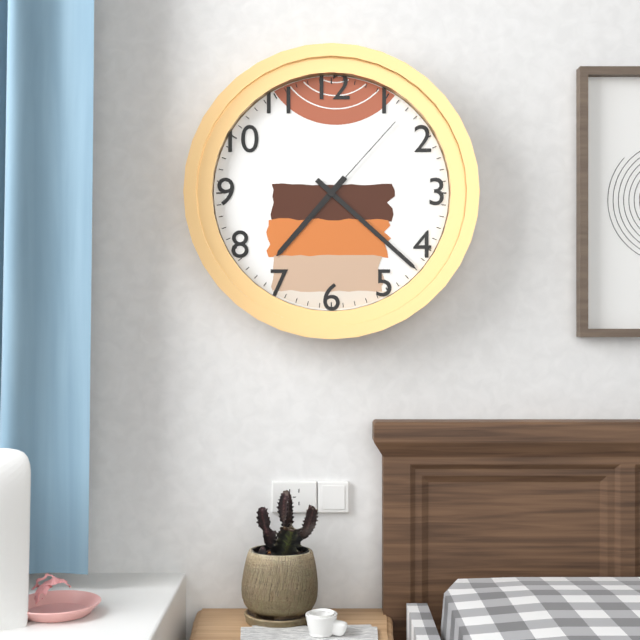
7:22:07
